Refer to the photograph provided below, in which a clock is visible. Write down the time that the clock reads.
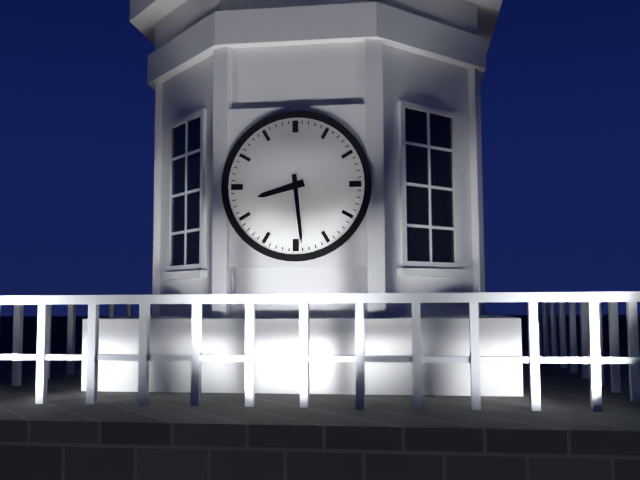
8:29
